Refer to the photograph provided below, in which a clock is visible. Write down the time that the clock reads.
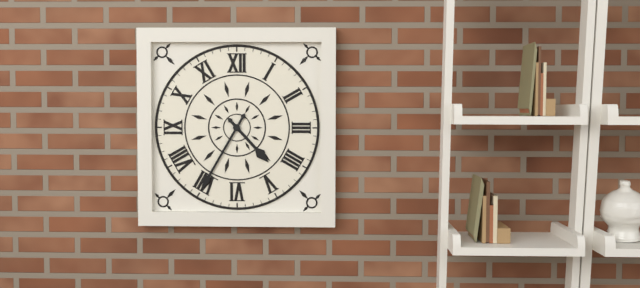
4:35
